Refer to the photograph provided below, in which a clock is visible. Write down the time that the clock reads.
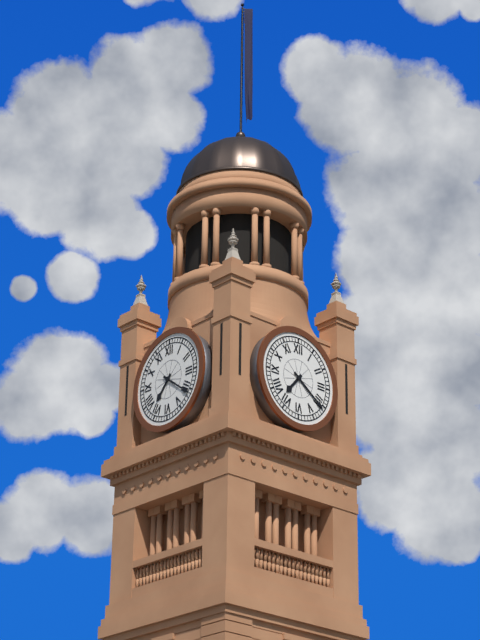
7:21
